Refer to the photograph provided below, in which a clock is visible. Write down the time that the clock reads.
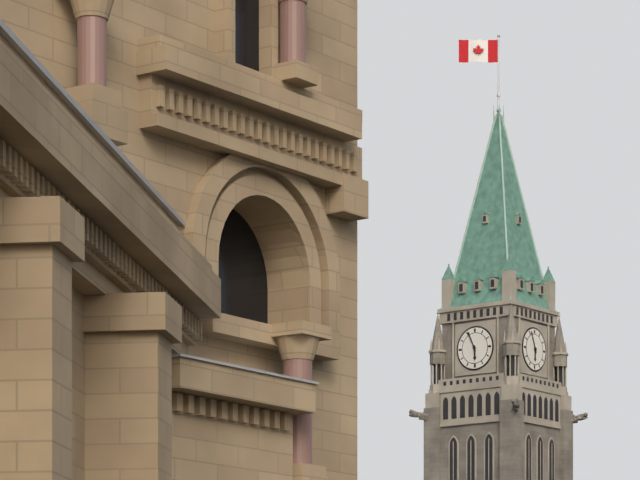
5:56
